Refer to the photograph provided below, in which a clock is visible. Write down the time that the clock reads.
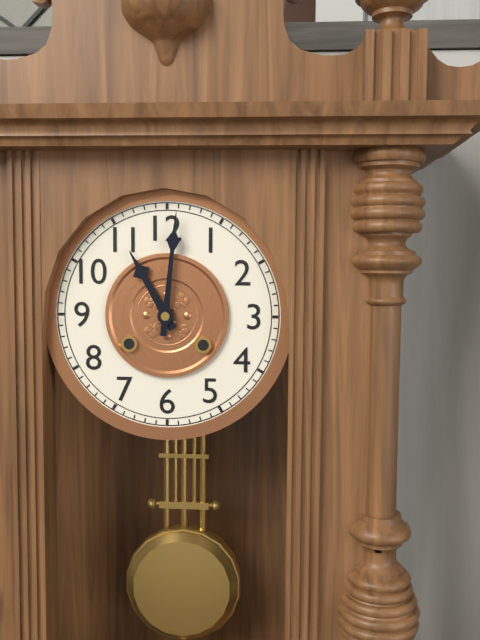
11:01
